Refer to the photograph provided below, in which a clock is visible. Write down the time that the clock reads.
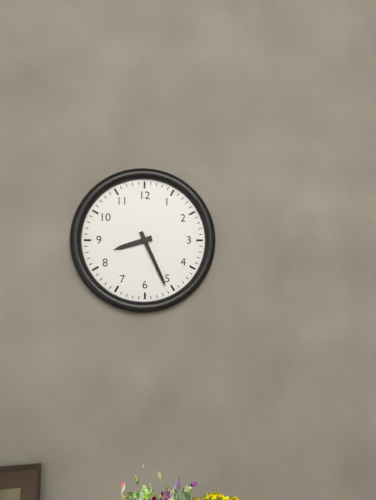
8:26
